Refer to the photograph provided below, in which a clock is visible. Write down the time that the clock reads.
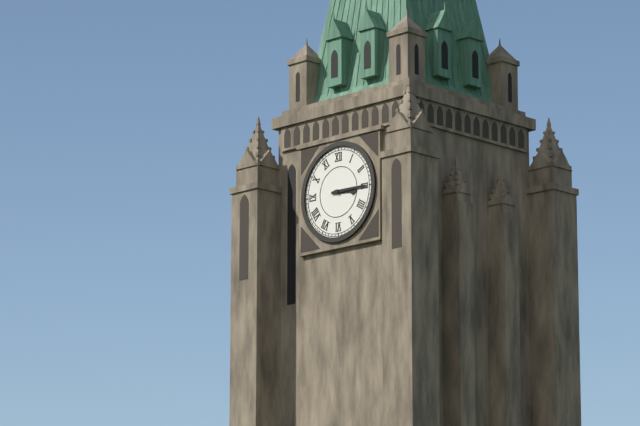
3:15
